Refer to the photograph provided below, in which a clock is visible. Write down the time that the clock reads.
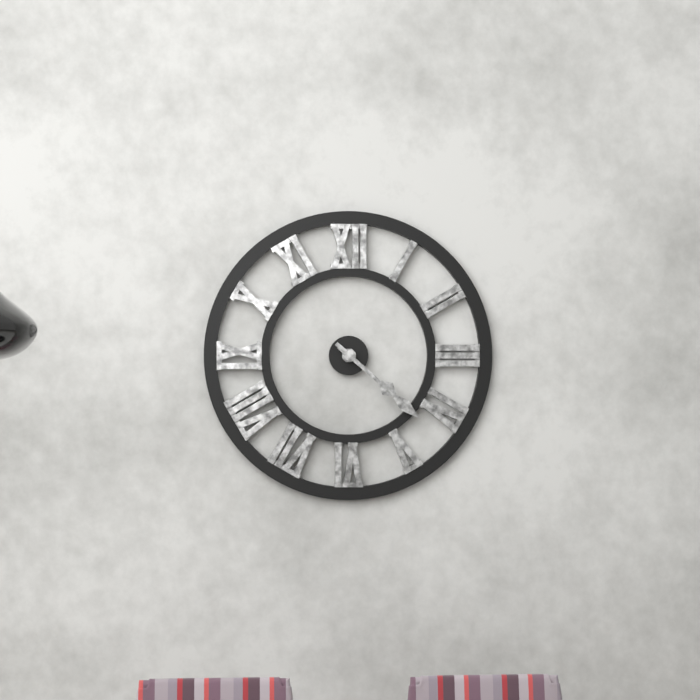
4:22
